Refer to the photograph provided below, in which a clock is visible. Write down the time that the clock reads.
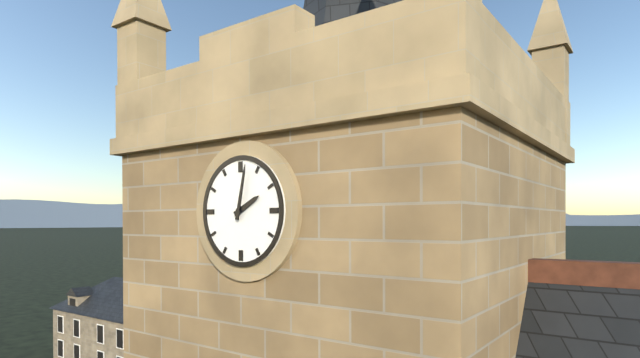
2:02
